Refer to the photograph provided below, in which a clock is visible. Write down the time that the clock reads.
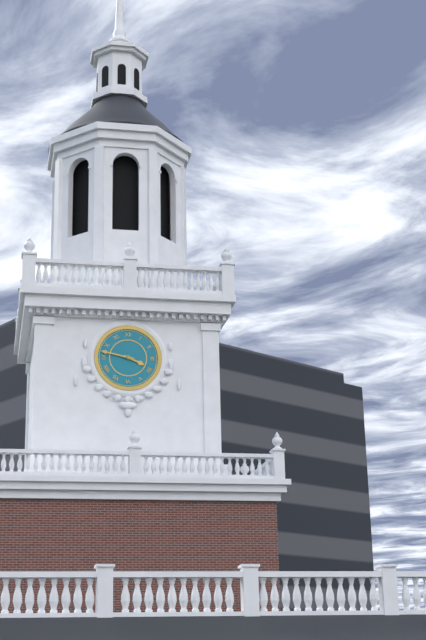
3:47
